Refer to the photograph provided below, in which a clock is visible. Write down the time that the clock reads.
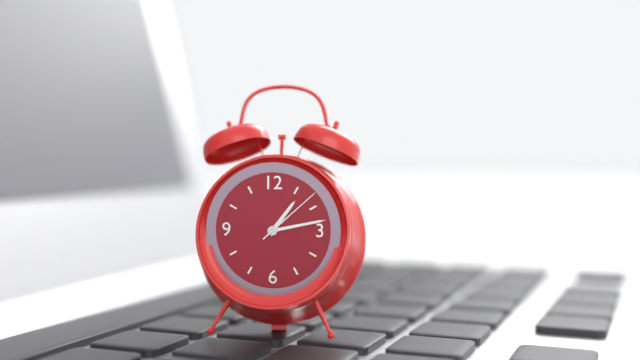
1:13:08
